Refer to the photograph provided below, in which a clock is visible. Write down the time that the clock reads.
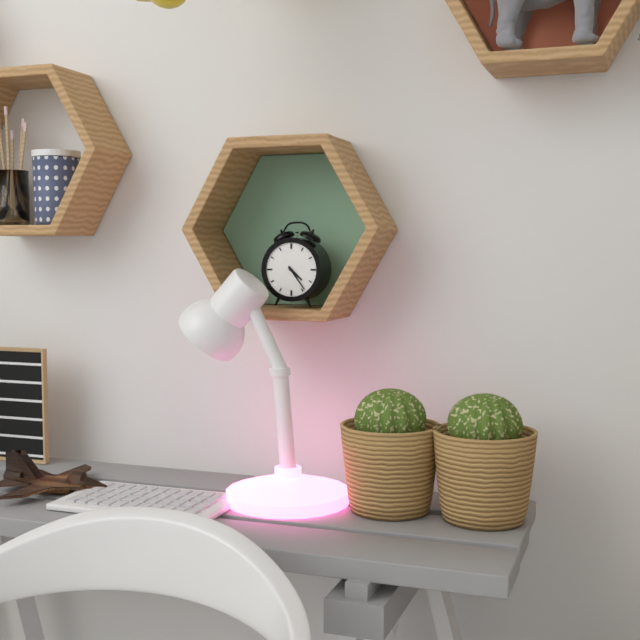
4:24
